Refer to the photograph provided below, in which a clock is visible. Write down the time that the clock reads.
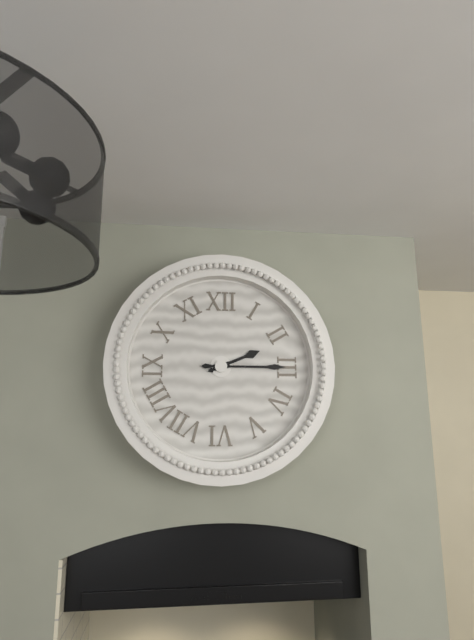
2:15
